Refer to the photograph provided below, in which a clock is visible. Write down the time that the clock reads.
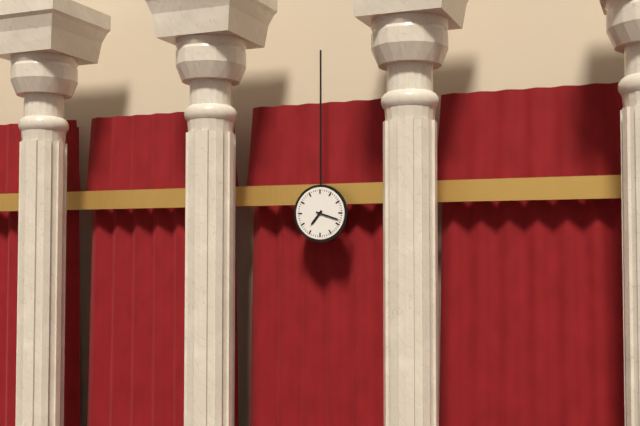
7:18
